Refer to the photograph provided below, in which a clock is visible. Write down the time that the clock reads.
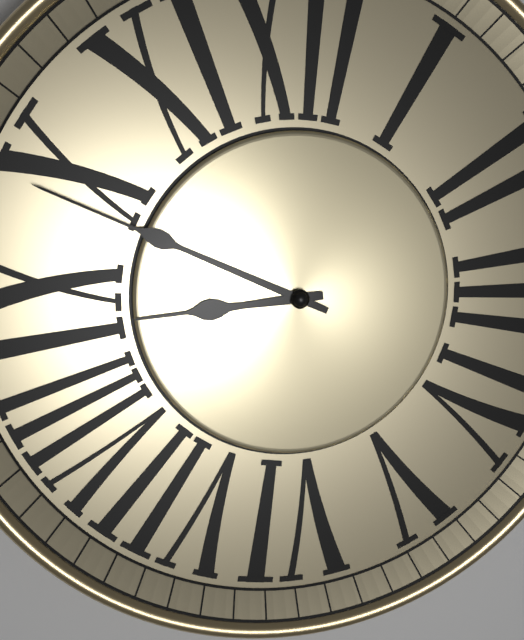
8:49
